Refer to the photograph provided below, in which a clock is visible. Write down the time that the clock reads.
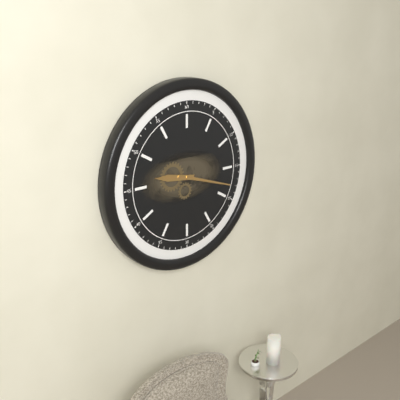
9:18
